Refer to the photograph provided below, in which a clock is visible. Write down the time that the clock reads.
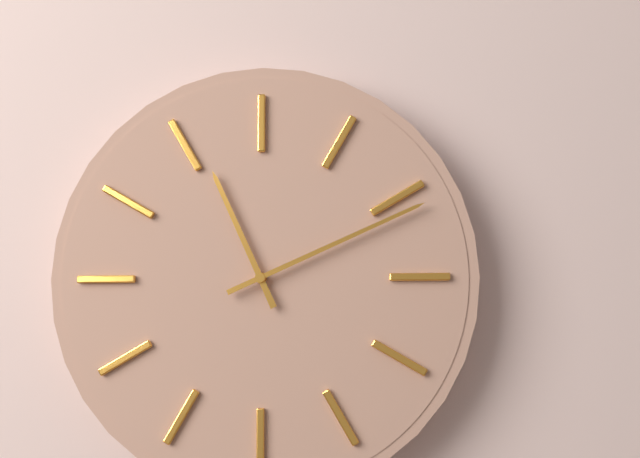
11:11
